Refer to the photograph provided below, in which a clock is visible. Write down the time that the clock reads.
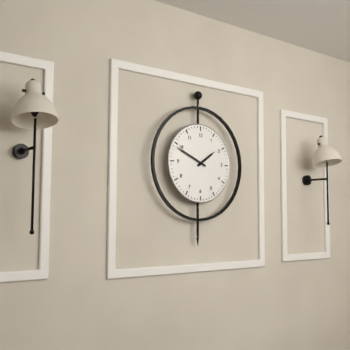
1:49
